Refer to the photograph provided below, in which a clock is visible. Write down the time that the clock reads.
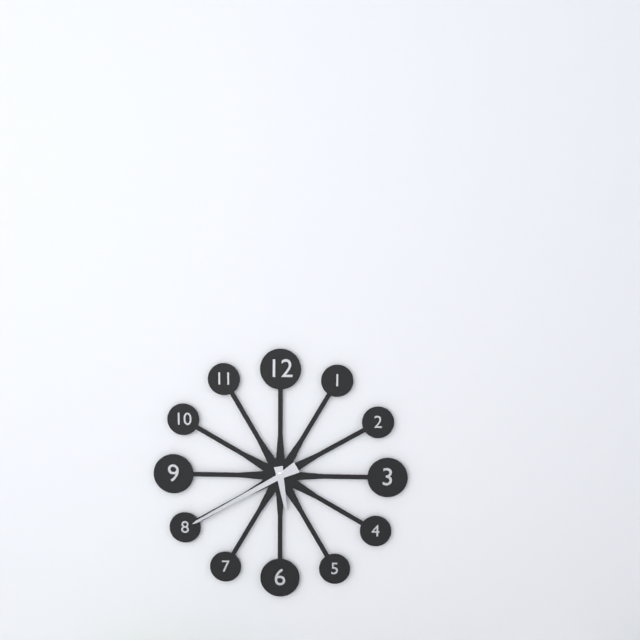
5:40
